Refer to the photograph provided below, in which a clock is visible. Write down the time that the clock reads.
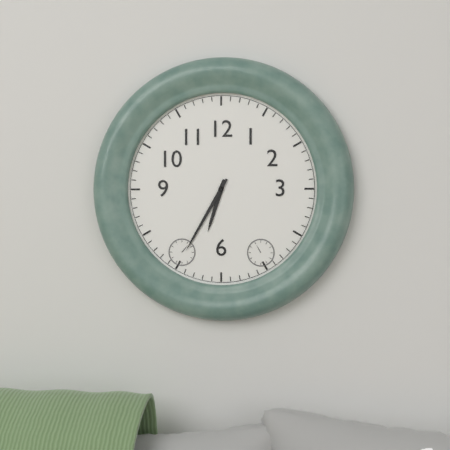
6:35
